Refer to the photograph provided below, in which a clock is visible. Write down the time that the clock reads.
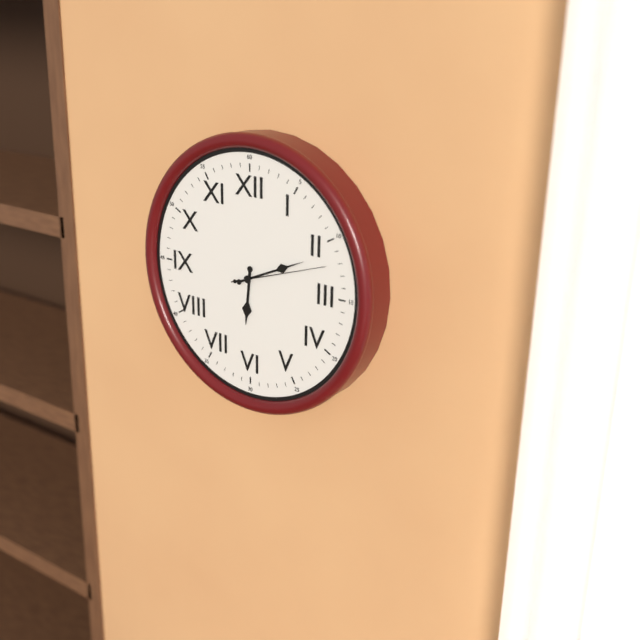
6:11:12
